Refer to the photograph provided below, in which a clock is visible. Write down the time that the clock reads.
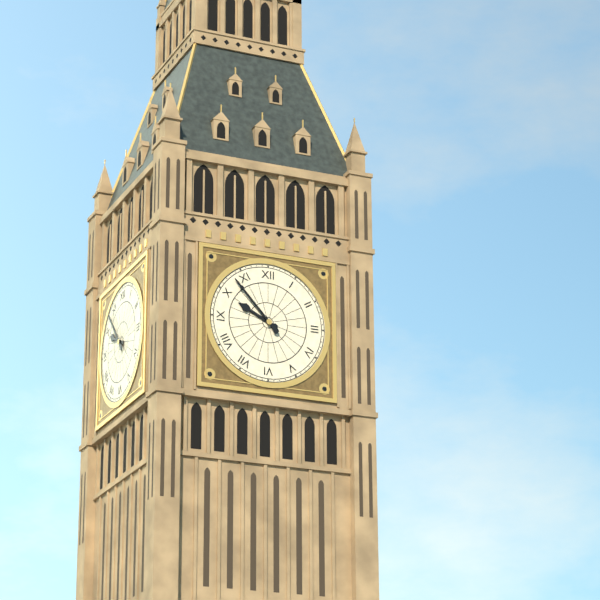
9:53
